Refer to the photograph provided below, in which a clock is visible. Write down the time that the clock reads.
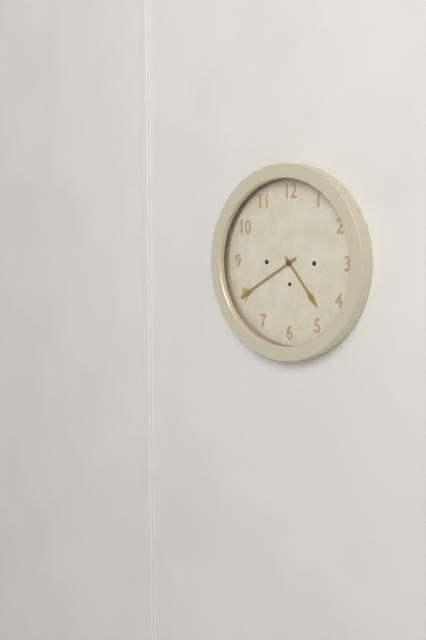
4:40
